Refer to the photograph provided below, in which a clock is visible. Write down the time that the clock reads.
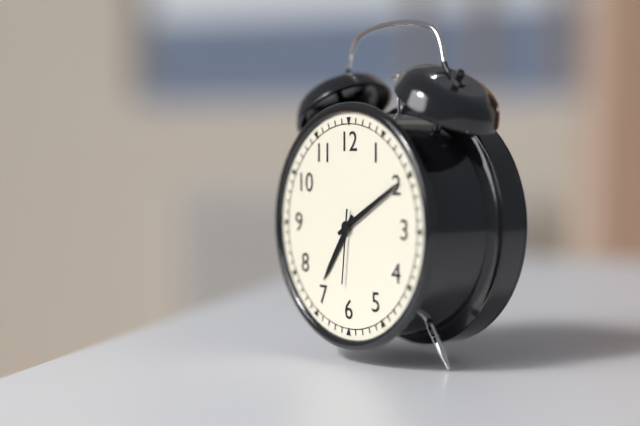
7:10:31
